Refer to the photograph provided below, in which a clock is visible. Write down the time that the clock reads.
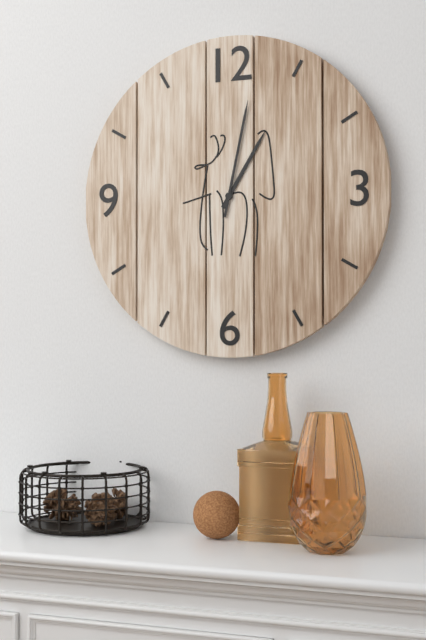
1:02
